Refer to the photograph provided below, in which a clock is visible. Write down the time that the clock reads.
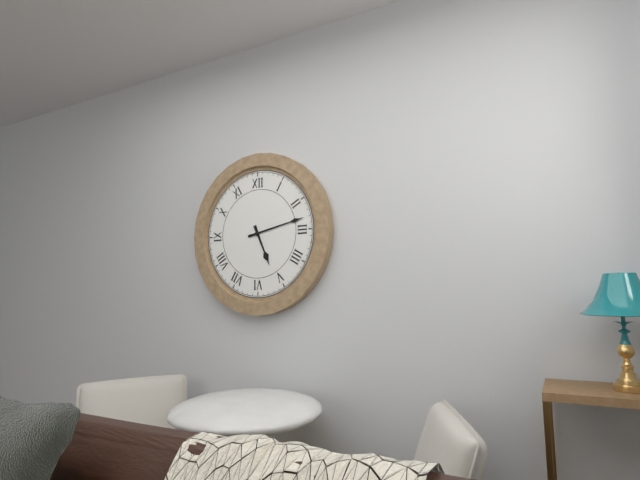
5:13
